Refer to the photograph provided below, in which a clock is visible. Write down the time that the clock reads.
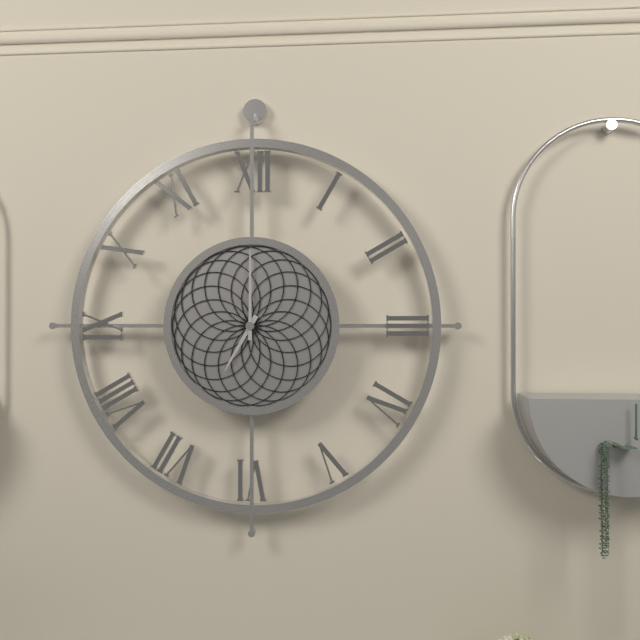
7:00
